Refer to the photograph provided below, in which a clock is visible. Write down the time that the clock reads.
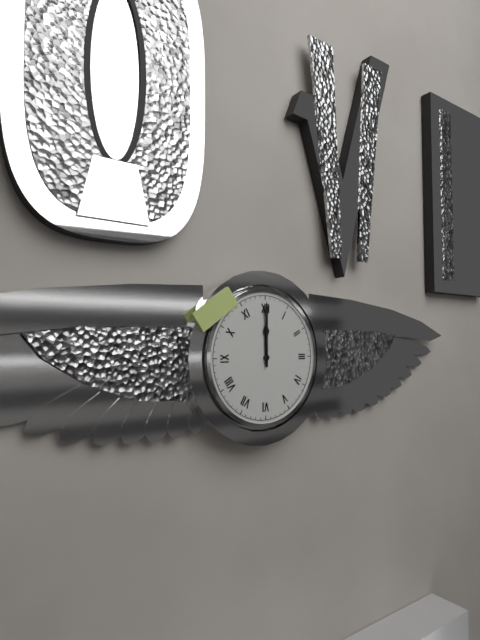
12:00
